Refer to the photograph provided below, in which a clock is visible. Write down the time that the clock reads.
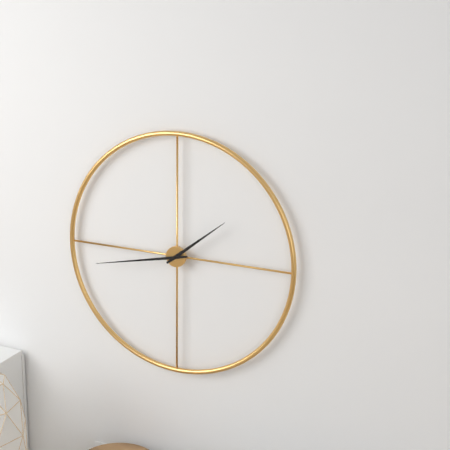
1:43
